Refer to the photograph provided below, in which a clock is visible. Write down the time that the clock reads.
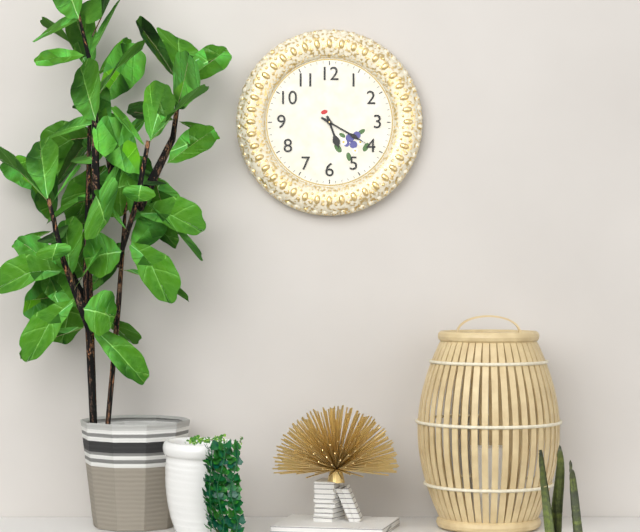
5:20
